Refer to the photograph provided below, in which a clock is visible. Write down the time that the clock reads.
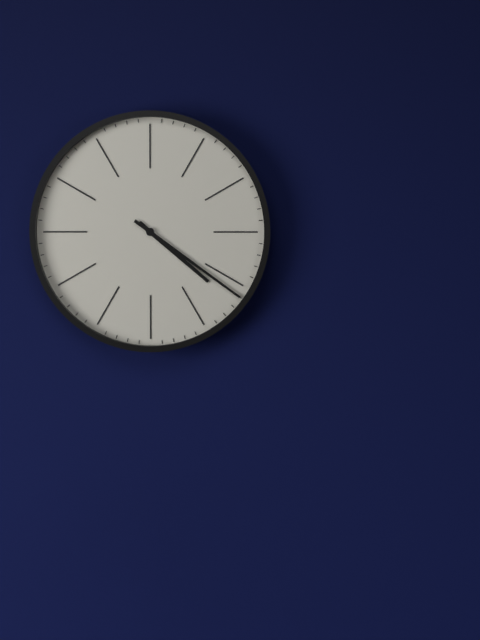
4:21
